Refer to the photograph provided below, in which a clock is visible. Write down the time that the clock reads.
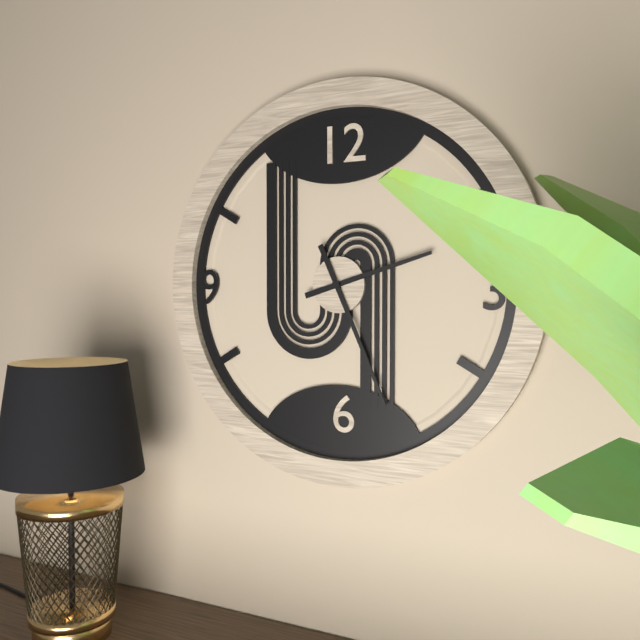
2:26
